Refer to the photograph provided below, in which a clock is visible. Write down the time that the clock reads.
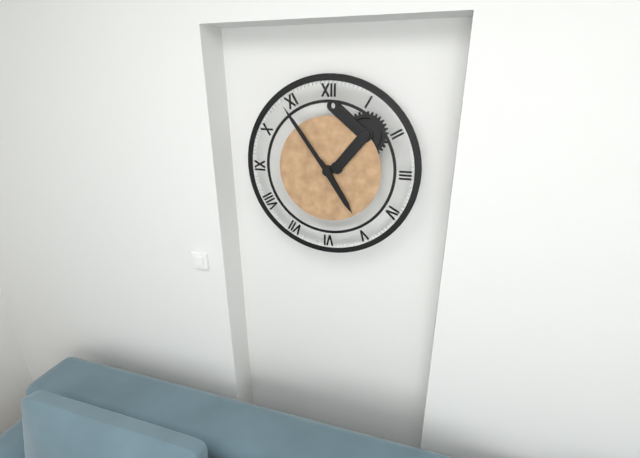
4:54
